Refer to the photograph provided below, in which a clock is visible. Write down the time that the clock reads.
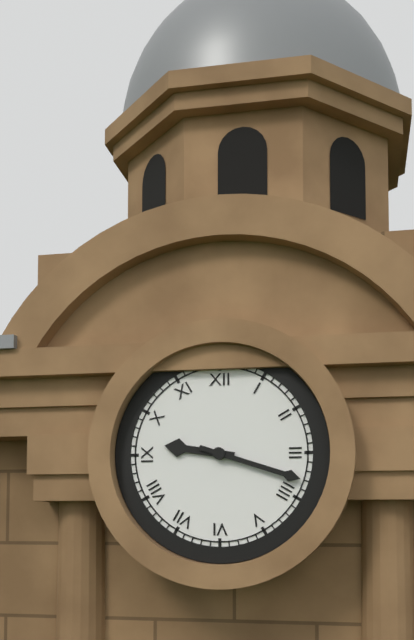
9:18
